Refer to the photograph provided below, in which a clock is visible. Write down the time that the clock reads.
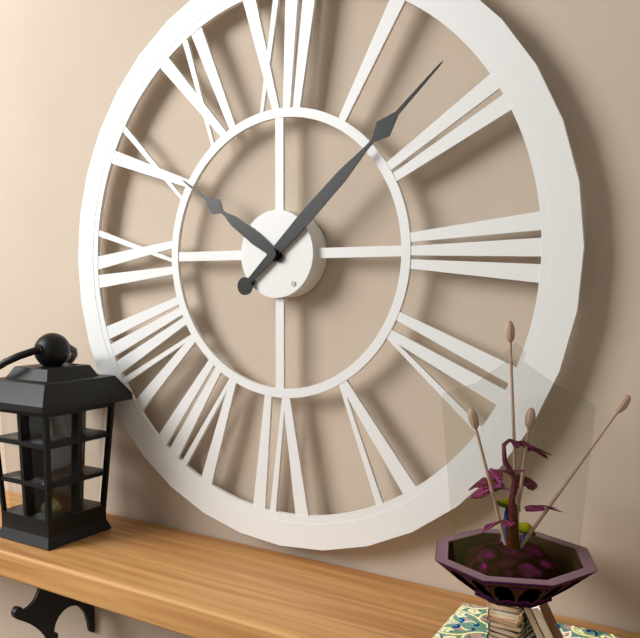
10:08
